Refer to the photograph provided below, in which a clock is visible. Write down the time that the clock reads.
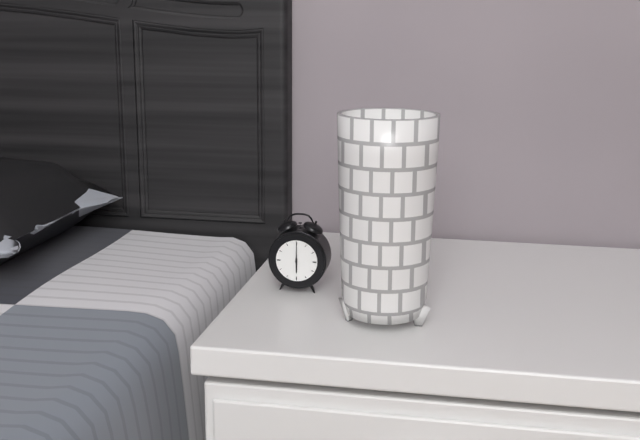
6:00
